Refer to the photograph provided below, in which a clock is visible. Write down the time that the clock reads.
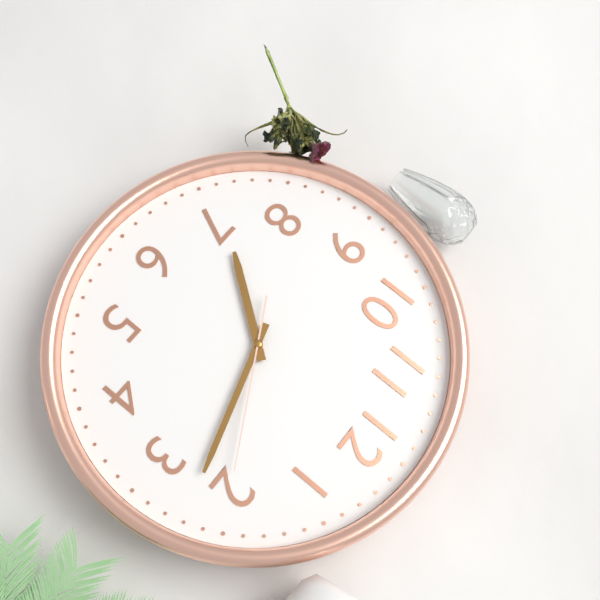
7:12:10
